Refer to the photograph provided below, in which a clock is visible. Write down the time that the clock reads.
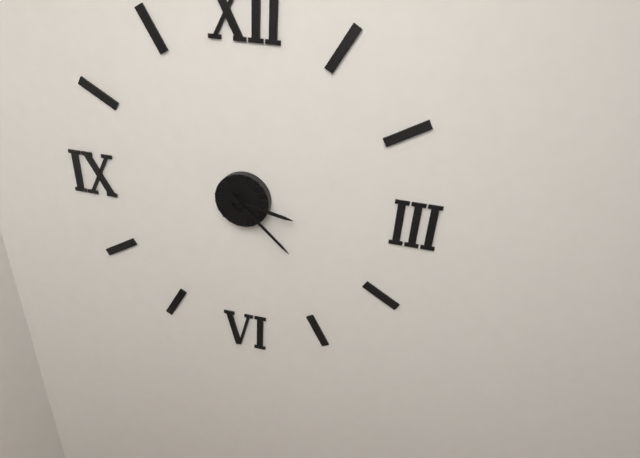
3:22
